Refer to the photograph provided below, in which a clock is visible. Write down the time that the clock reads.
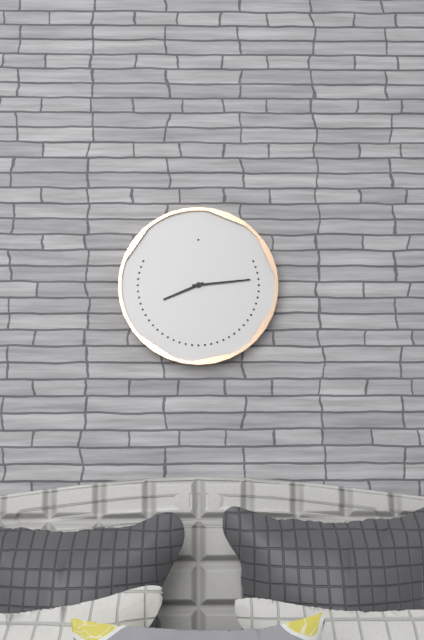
8:14
